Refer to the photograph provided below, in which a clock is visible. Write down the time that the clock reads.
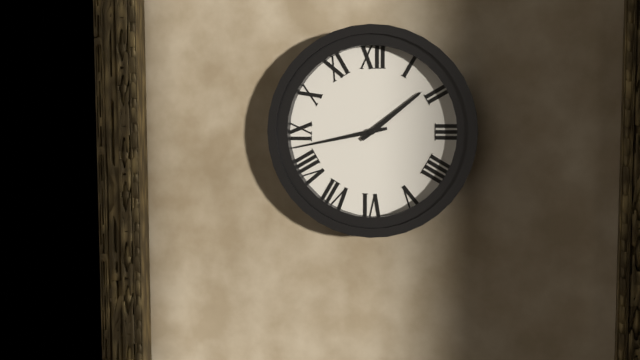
1:43
